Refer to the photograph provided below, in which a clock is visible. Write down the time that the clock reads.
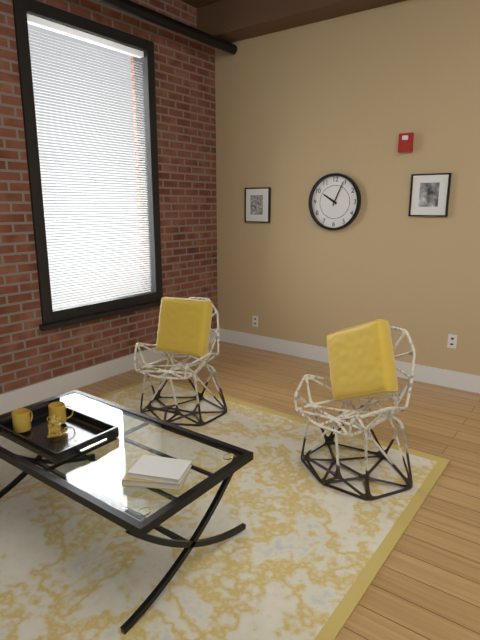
10:04
